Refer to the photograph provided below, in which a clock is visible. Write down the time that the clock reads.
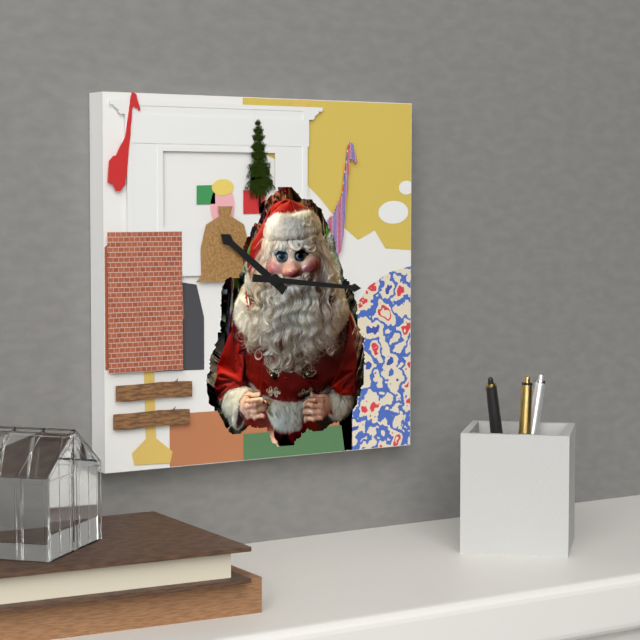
10:16
